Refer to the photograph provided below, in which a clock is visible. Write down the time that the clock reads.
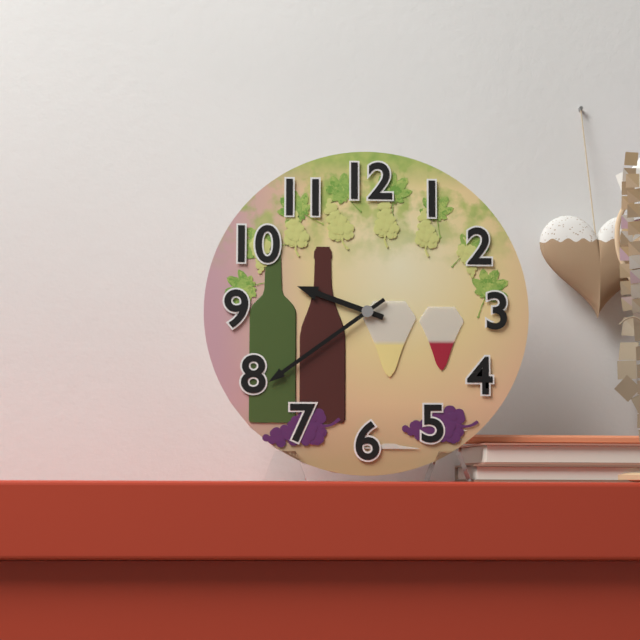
9:39
